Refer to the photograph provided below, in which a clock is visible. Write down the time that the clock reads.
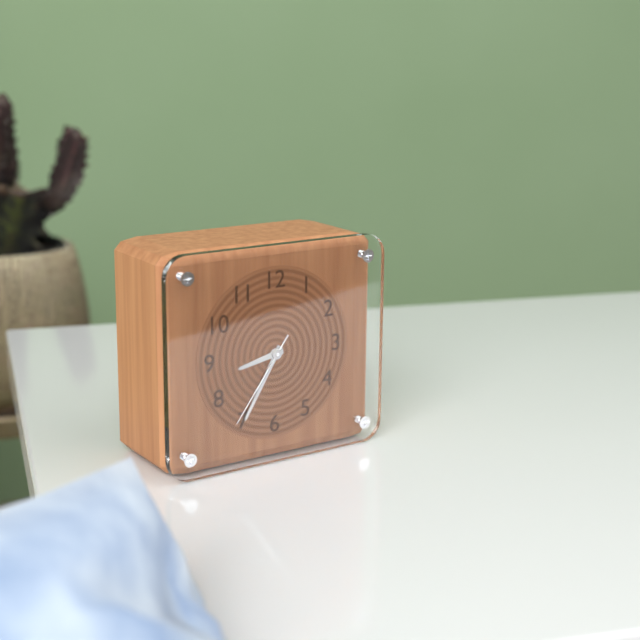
8:35:36
